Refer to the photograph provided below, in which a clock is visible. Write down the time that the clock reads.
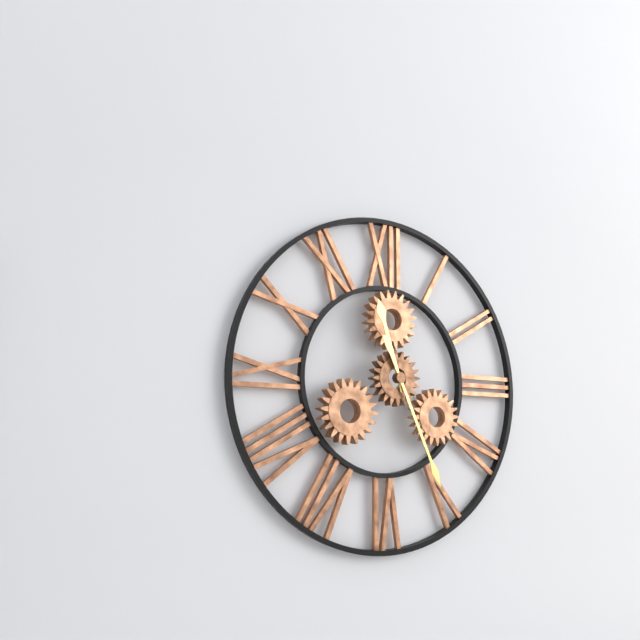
11:26
